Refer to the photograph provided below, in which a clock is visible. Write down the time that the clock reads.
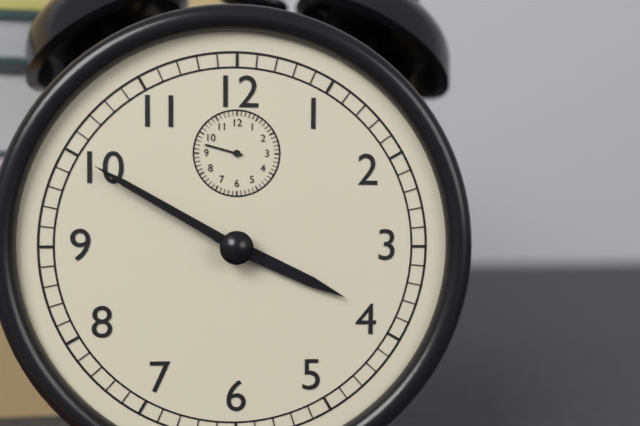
3:50
